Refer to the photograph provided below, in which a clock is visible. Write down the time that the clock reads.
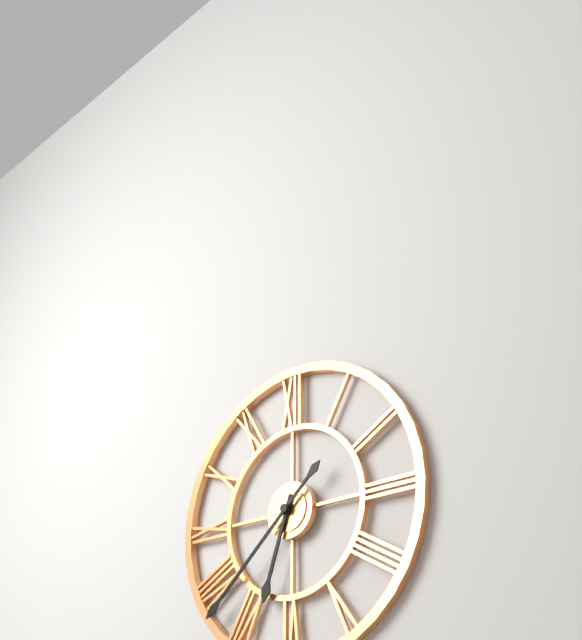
6:38
